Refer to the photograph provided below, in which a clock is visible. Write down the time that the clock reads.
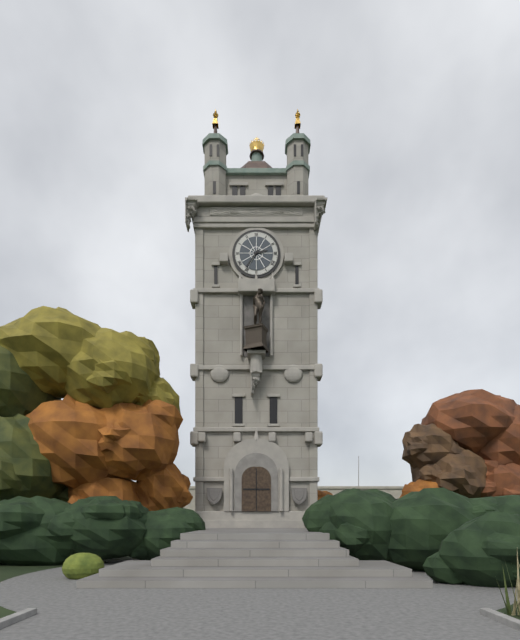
2:36
